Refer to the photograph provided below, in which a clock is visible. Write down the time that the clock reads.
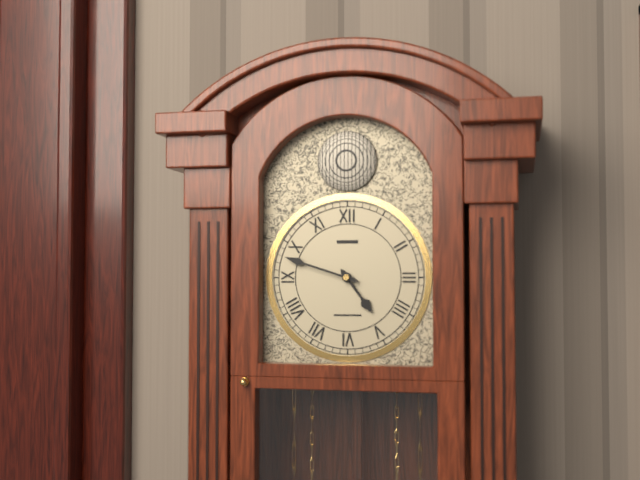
4:48
